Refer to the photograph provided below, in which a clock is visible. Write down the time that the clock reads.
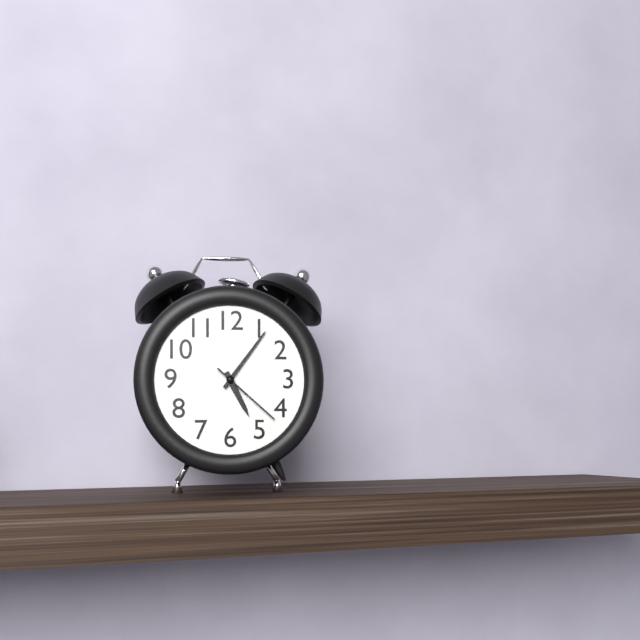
5:06:22
